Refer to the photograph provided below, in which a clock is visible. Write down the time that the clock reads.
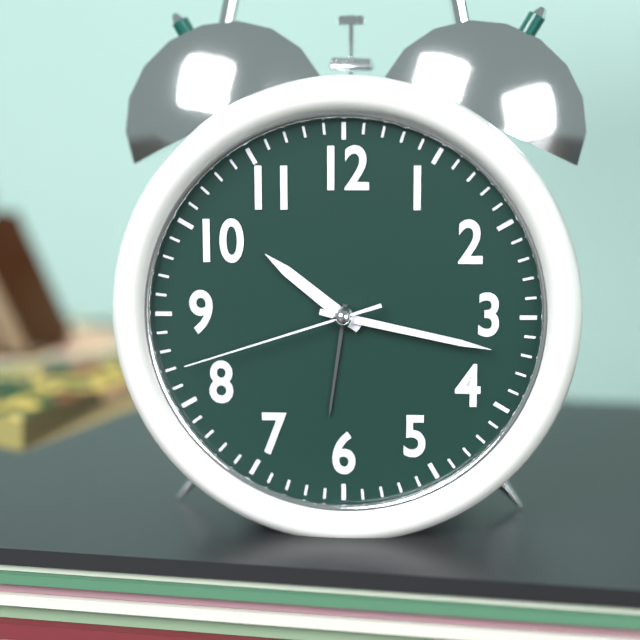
10:17:42
